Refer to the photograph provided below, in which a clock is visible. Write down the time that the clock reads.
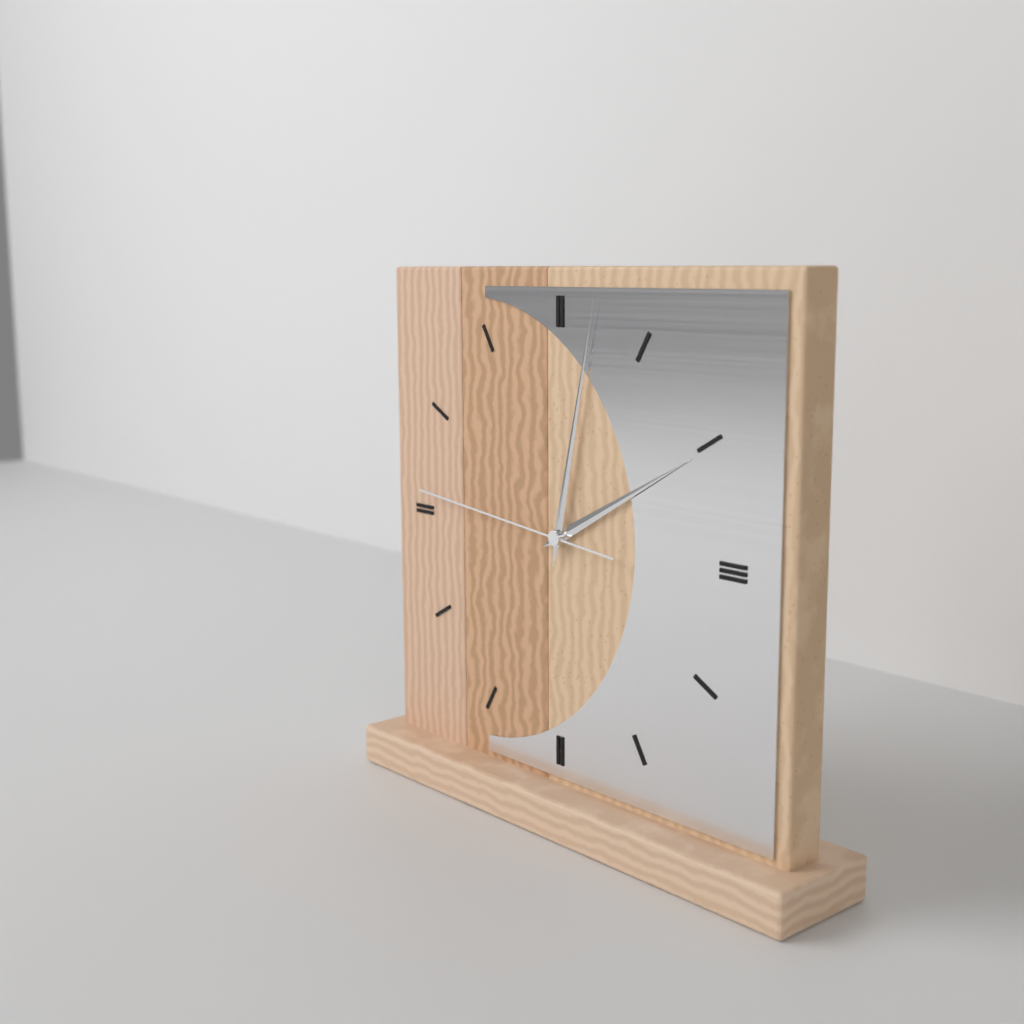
2:02:46
